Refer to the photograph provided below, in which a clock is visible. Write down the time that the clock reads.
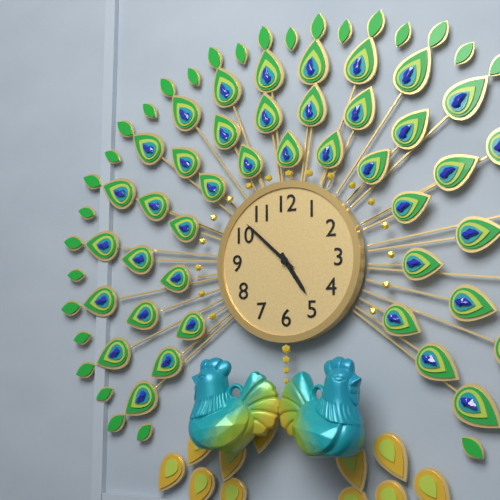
4:52
